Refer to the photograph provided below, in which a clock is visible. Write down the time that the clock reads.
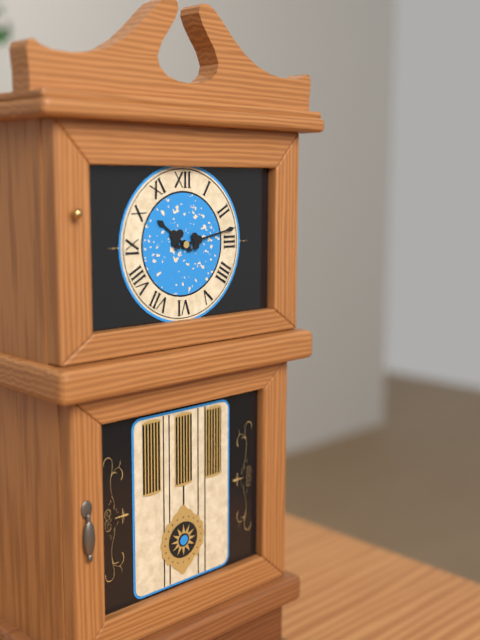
10:13
